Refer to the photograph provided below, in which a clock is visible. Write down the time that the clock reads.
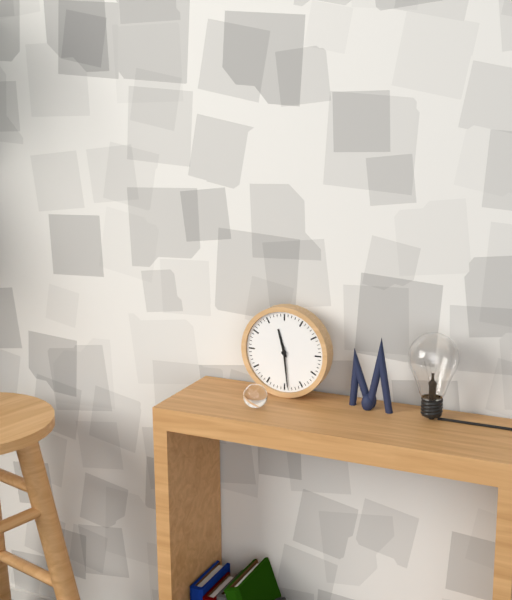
11:29
